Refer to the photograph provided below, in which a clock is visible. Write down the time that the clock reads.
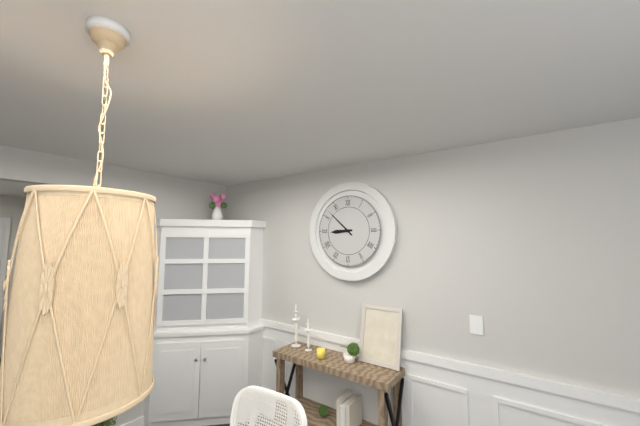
8:52
